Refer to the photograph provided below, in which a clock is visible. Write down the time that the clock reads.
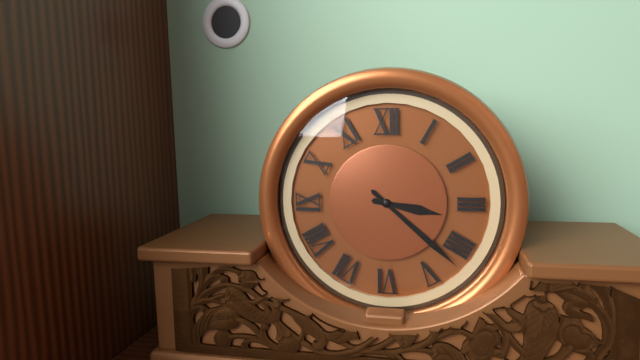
3:22
